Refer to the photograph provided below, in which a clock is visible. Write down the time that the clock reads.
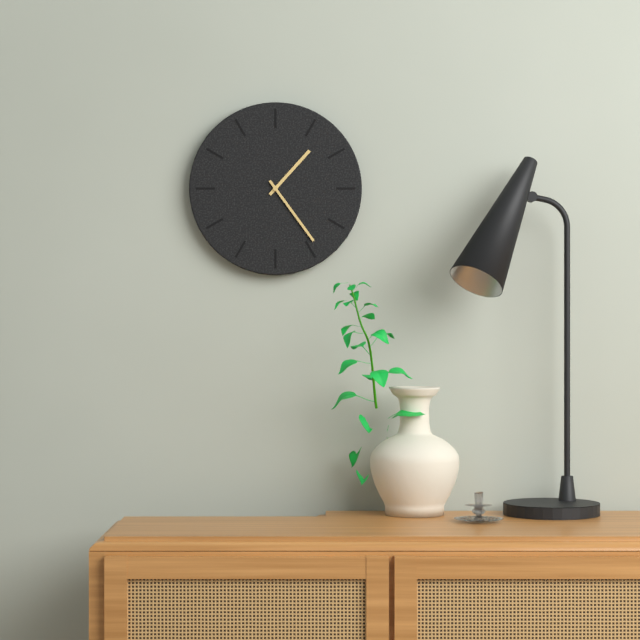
1:24
